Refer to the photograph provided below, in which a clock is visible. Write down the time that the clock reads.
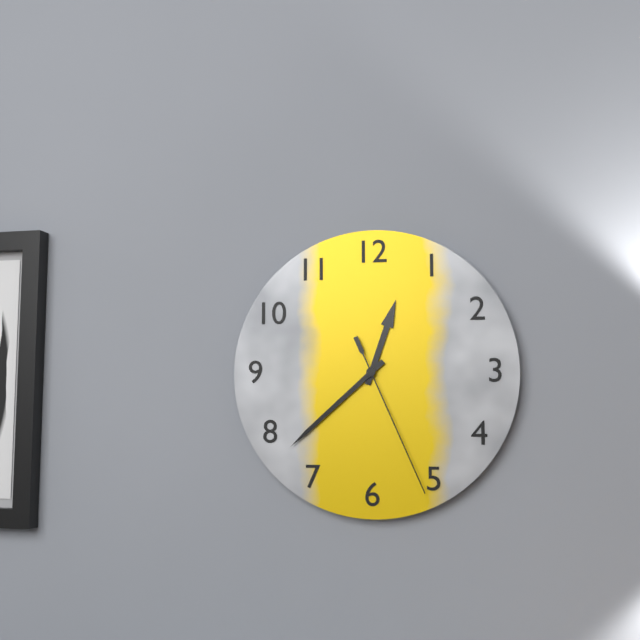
12:38:26
